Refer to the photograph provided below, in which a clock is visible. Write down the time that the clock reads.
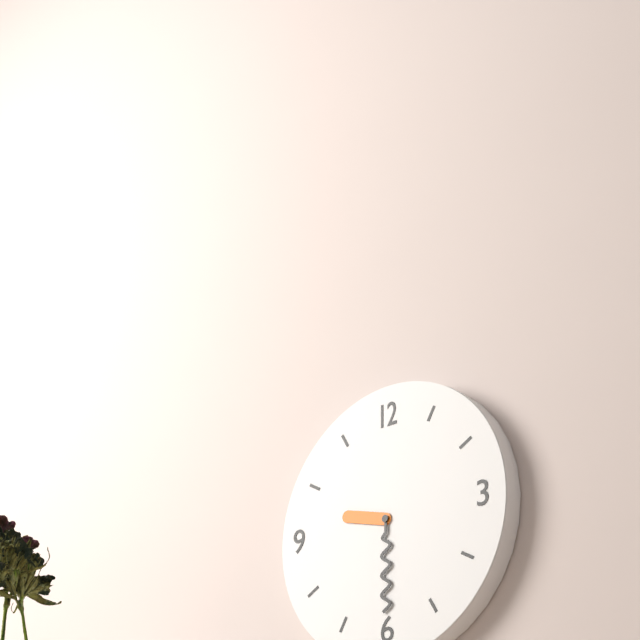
9:30
